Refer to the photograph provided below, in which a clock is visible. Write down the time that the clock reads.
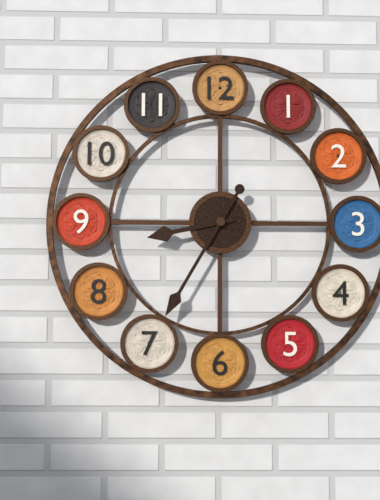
8:35
